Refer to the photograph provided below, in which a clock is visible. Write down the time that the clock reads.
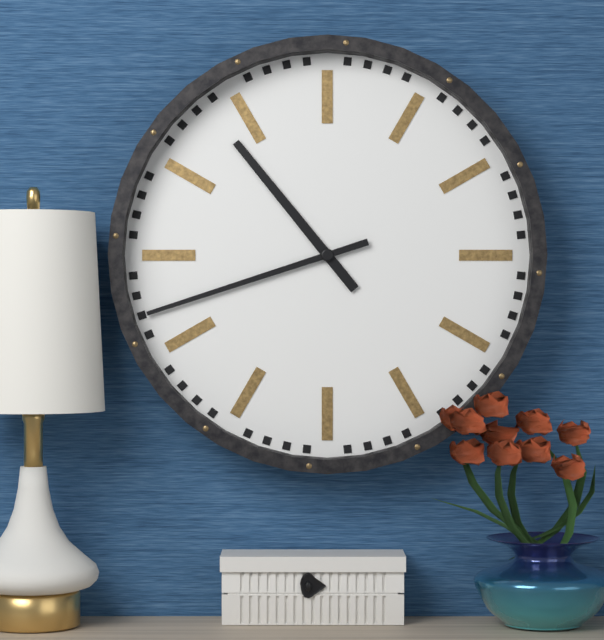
10:42
